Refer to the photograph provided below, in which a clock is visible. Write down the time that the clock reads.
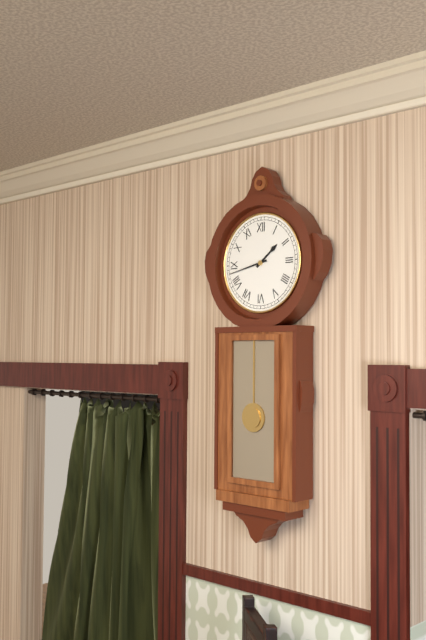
1:43
